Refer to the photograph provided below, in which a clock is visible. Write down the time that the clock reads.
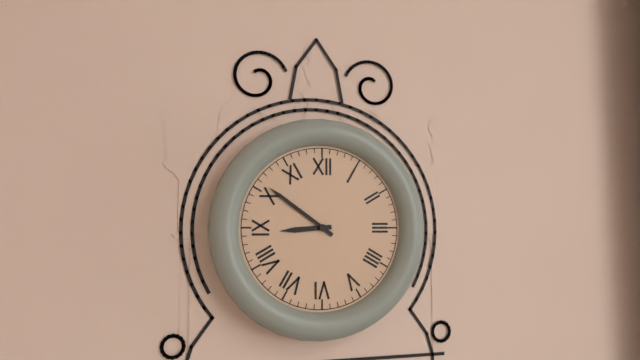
8:51
